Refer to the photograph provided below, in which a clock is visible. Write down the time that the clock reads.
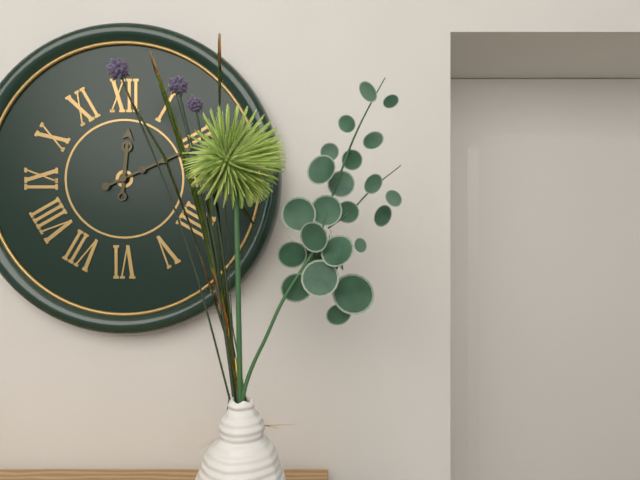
12:11
